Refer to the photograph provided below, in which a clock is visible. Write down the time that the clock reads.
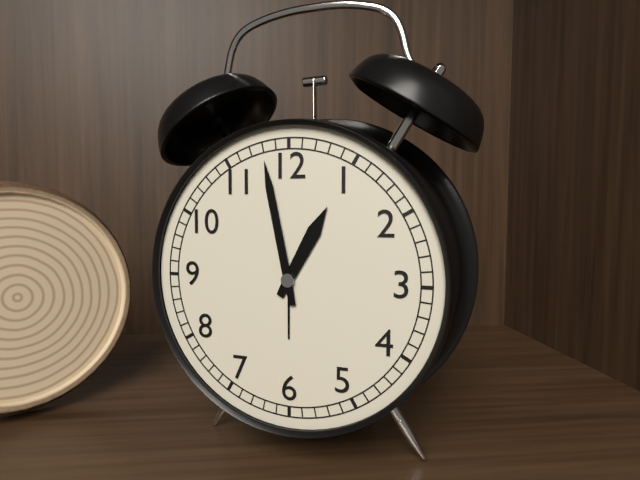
12:58
